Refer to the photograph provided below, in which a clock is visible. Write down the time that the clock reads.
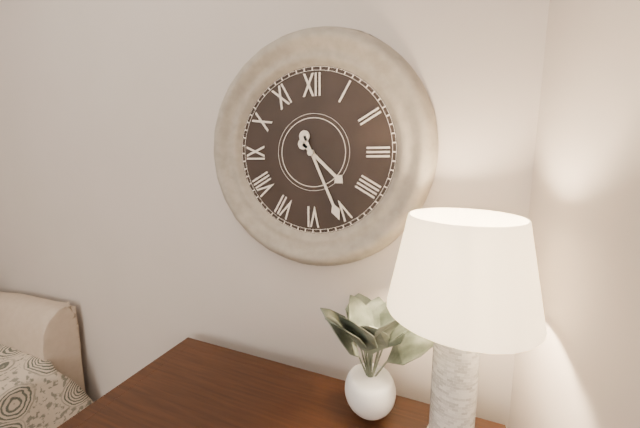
4:26
